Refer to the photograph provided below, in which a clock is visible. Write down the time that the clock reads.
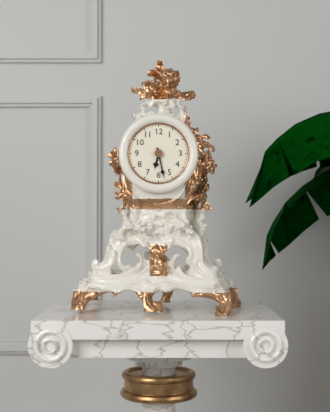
6:28
